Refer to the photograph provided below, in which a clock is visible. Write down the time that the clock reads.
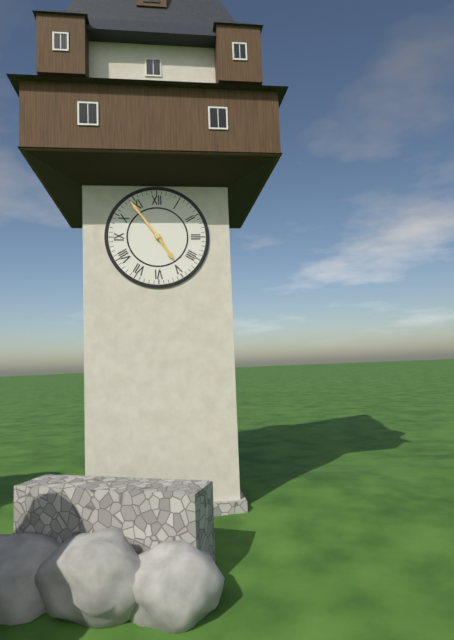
4:54
